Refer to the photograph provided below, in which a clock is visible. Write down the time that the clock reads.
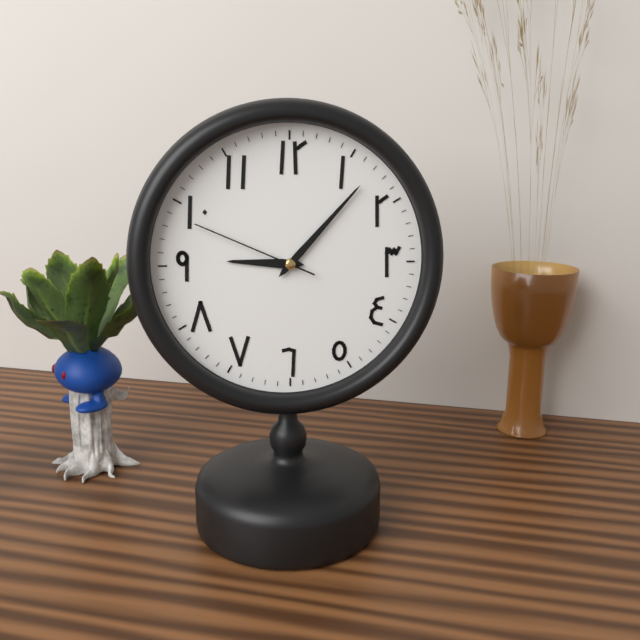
9:07:49
